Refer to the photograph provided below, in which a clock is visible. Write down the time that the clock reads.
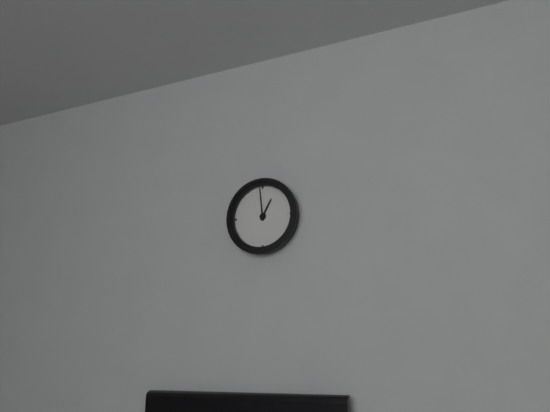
12:59
